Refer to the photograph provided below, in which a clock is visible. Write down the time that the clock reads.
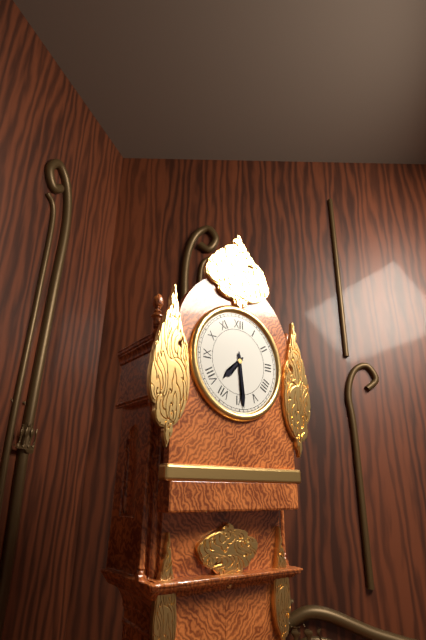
7:29
